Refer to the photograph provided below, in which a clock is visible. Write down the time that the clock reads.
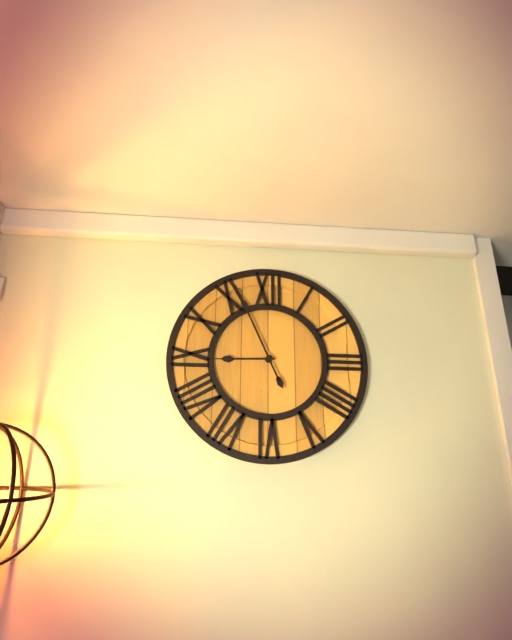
8:56
